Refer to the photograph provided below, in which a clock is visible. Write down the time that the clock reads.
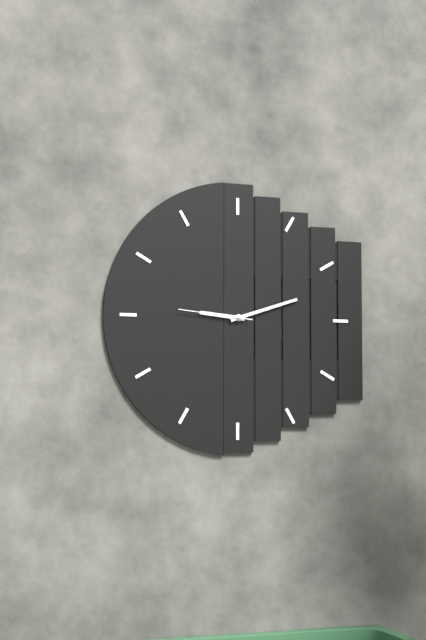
9:12:46
